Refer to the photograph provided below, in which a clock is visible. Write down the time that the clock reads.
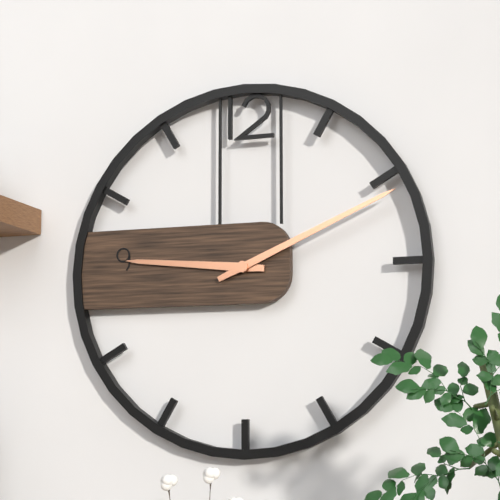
9:11
